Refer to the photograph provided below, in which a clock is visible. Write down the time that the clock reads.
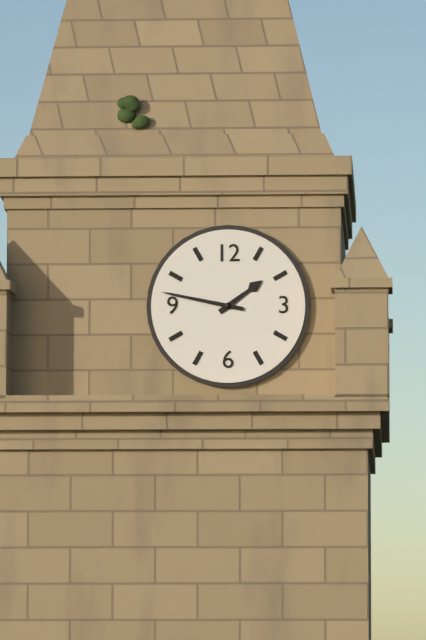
1:47
